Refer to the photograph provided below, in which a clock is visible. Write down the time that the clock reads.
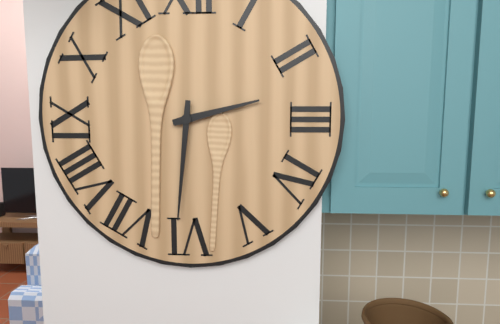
2:31
